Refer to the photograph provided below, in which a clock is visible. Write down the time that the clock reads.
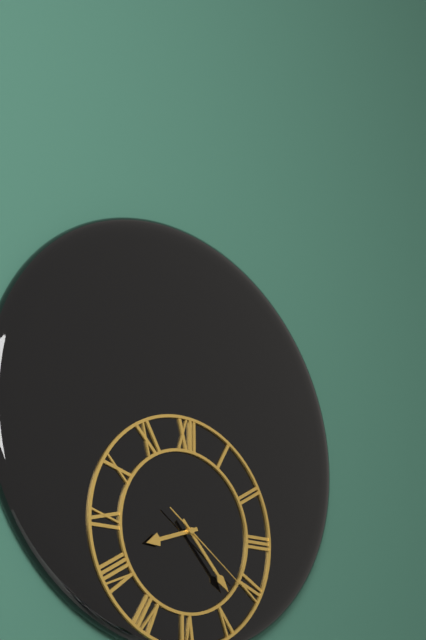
8:23:21
